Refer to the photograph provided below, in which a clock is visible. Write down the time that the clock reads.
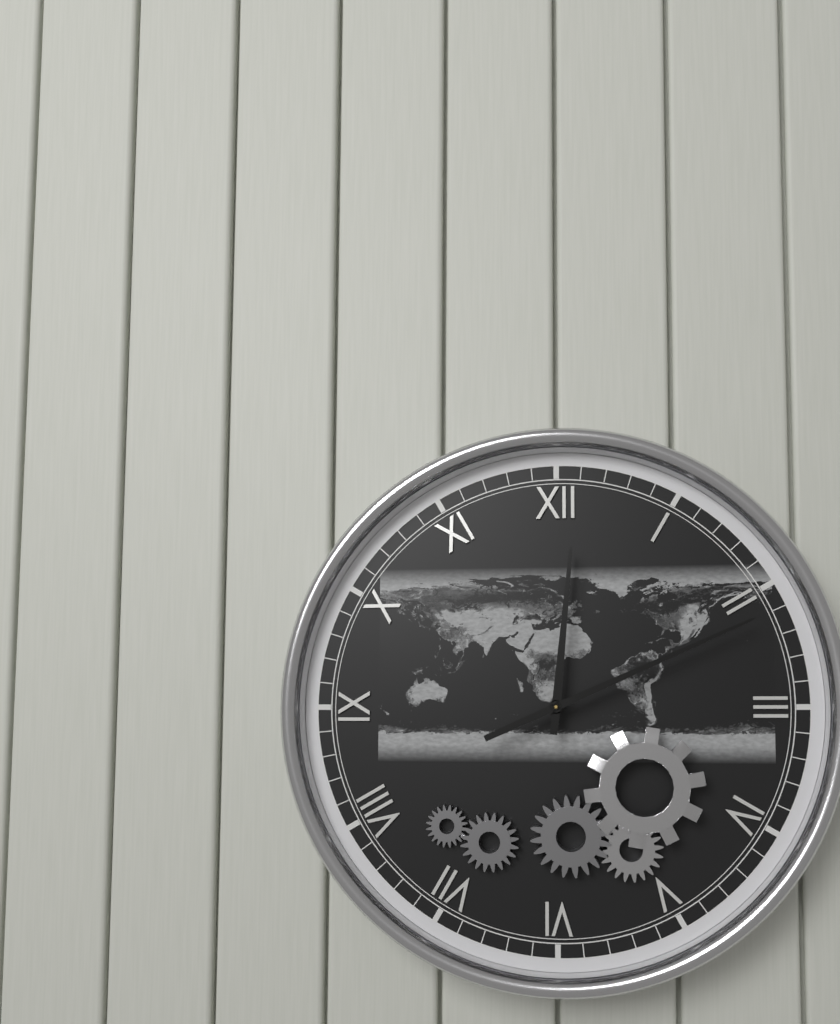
12:11
